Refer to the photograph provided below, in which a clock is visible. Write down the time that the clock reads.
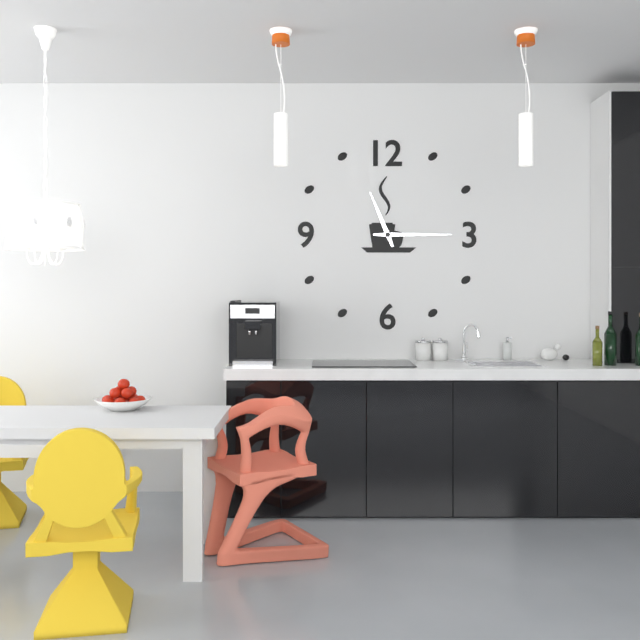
11:15
